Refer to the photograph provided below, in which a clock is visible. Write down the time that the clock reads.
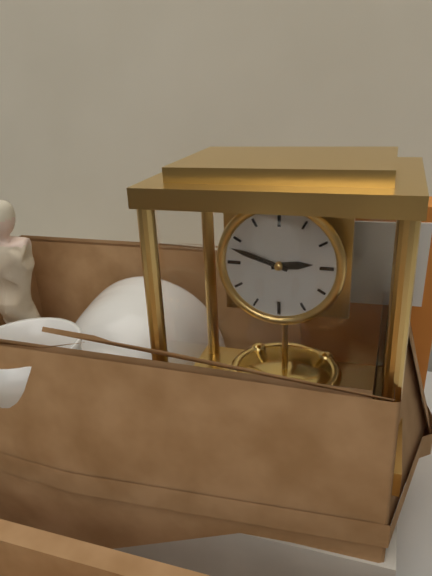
2:48
